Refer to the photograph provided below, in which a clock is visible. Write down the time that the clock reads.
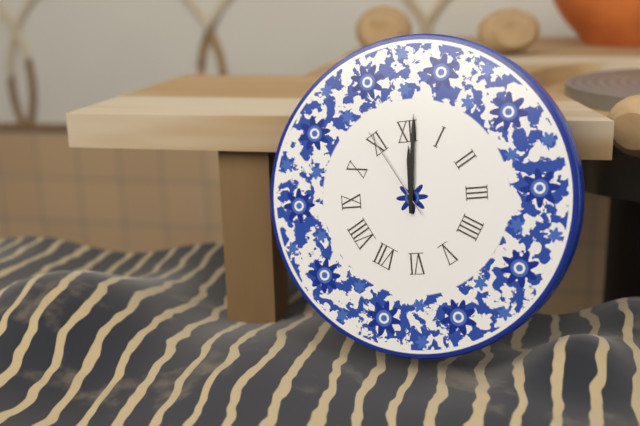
12:01:55
